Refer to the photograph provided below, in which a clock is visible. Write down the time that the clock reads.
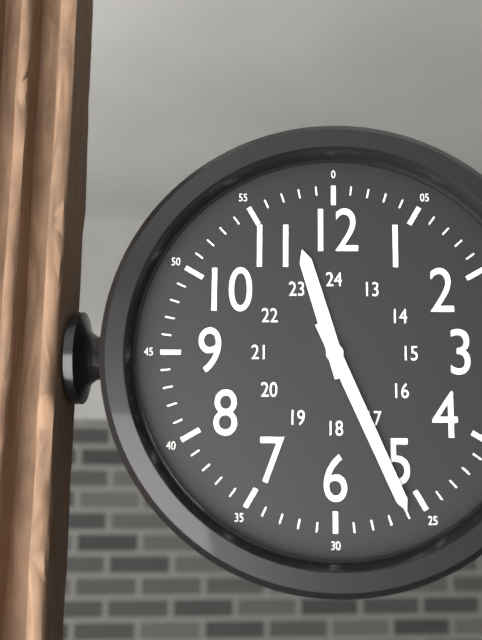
11:26
